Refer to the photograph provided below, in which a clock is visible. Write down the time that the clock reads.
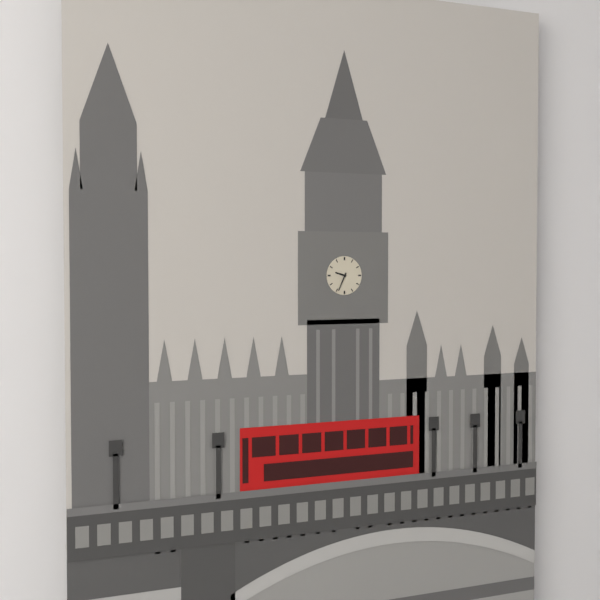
9:34
